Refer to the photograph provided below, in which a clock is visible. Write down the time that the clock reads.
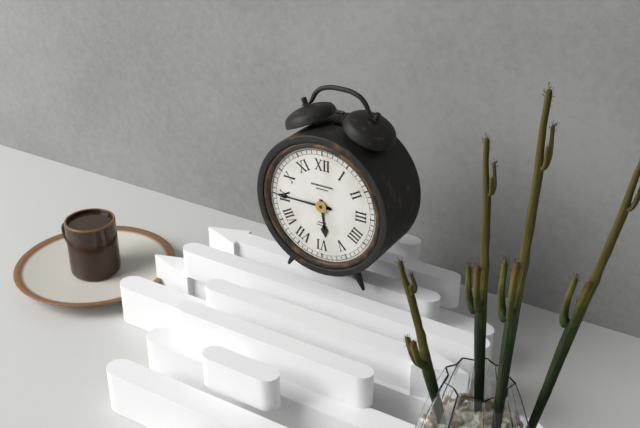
5:45
